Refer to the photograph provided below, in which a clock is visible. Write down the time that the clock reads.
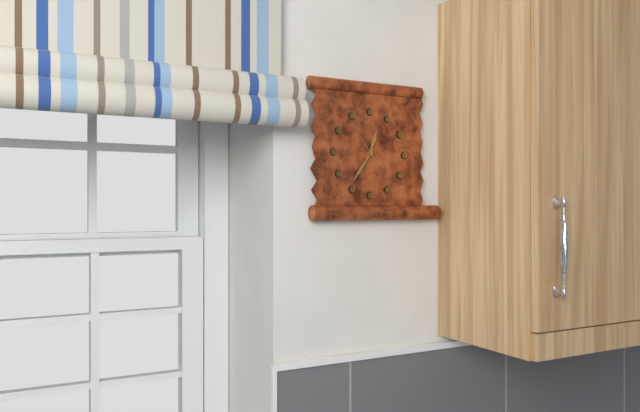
12:36
